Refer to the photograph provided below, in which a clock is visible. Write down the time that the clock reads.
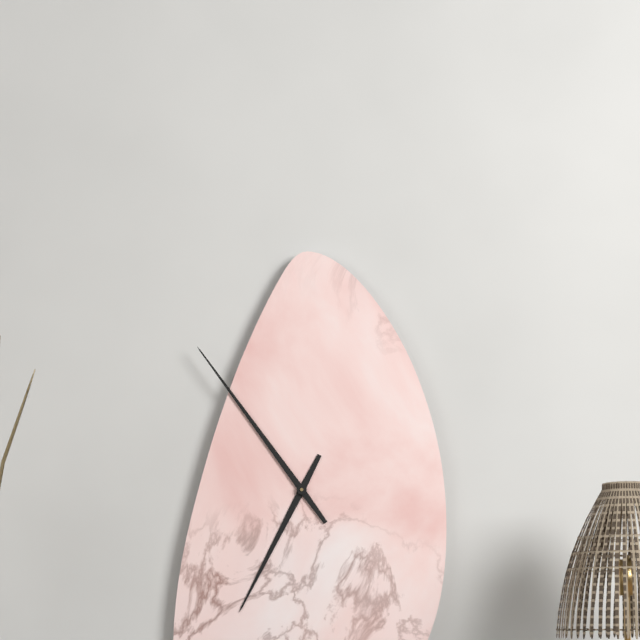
6:54
